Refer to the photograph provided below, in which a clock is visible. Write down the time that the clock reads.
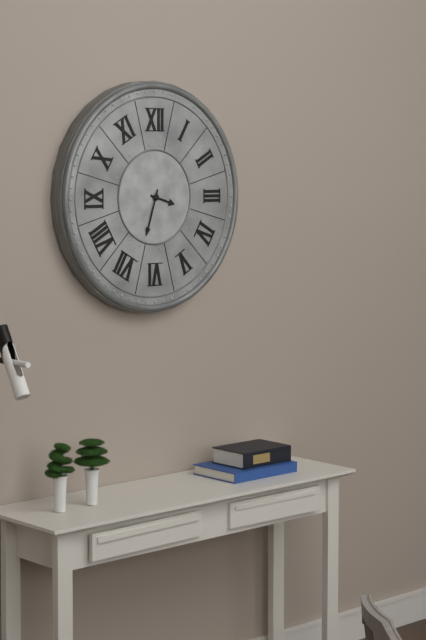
3:33
